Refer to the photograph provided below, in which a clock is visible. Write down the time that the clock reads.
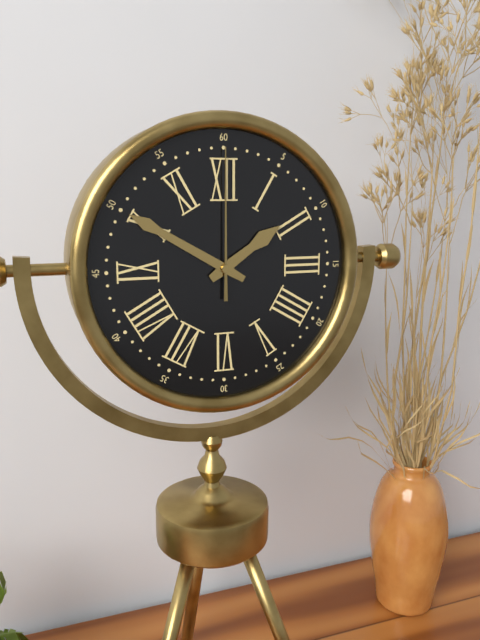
1:50:00
